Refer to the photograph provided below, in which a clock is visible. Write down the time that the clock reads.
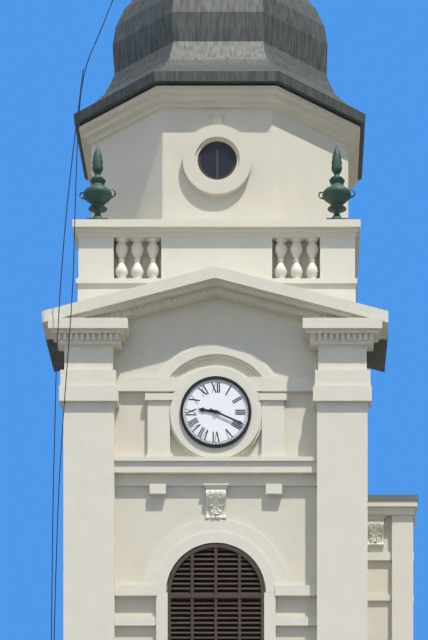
9:19
